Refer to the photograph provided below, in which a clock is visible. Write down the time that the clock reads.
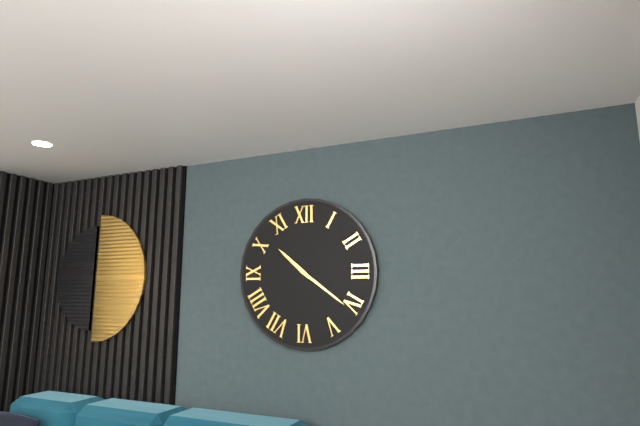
10:21
